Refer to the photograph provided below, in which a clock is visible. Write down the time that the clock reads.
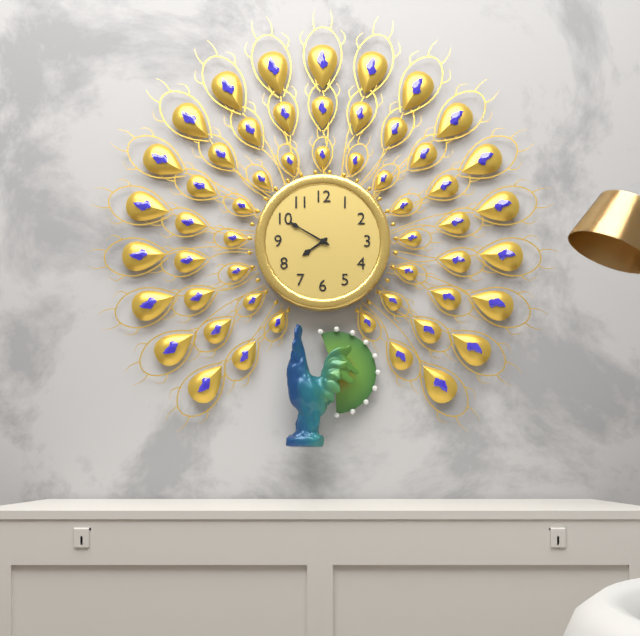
7:50
